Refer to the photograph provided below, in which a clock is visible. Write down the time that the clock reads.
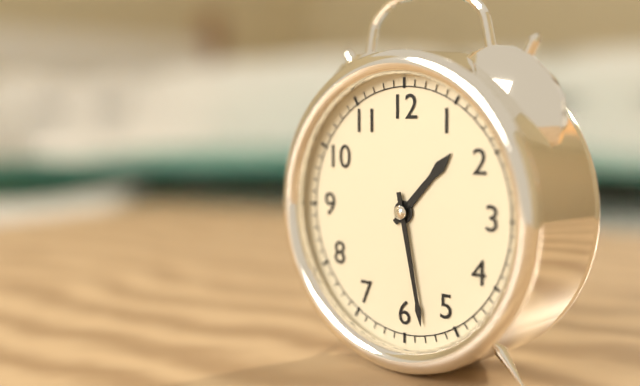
1:28
